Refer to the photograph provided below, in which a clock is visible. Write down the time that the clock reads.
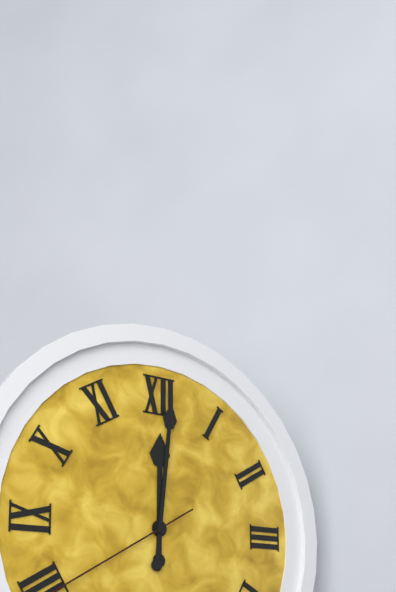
12:01
